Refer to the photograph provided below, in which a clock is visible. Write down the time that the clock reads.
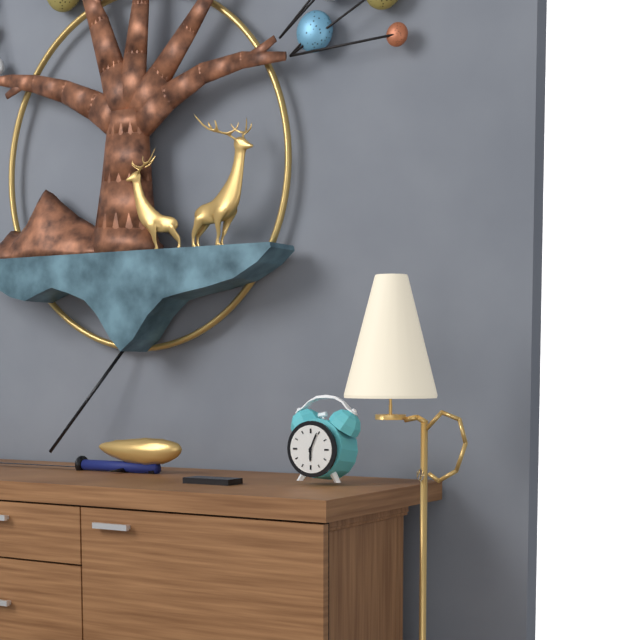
6:04
